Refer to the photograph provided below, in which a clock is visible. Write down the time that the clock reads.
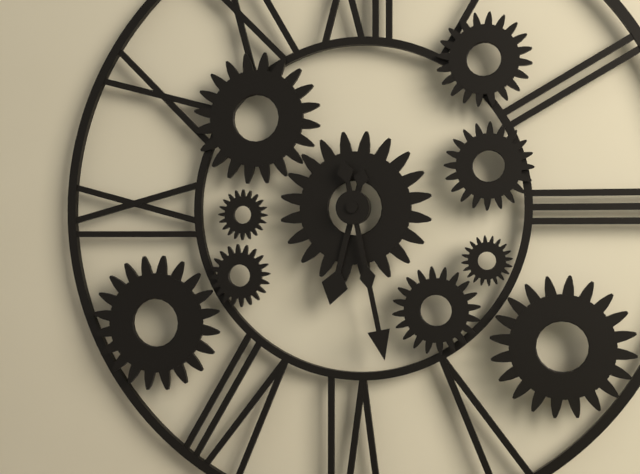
6:28
